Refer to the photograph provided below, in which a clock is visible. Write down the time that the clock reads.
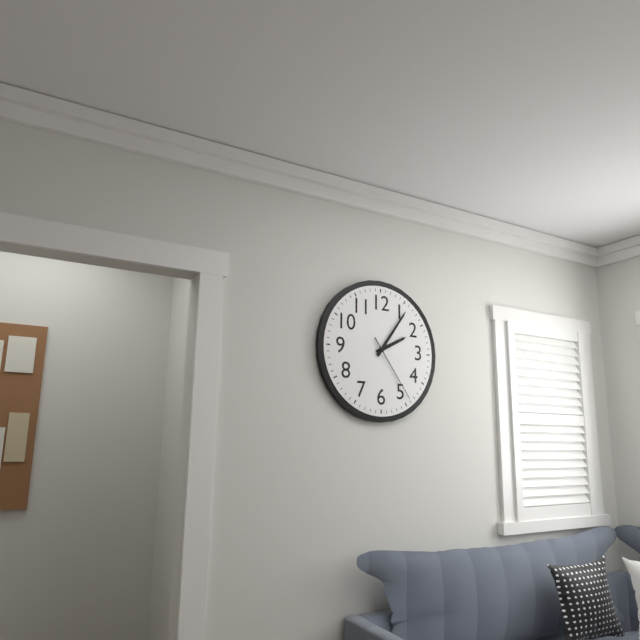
2:06:24
